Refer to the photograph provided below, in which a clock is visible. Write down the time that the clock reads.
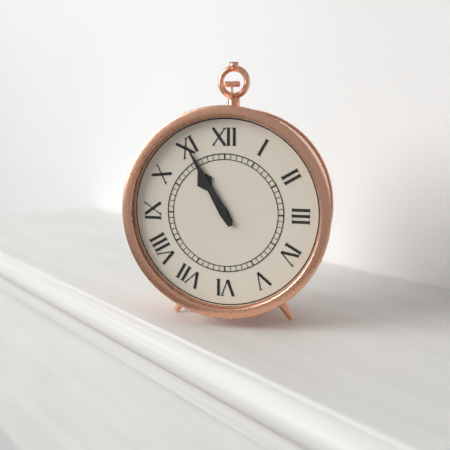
10:55
